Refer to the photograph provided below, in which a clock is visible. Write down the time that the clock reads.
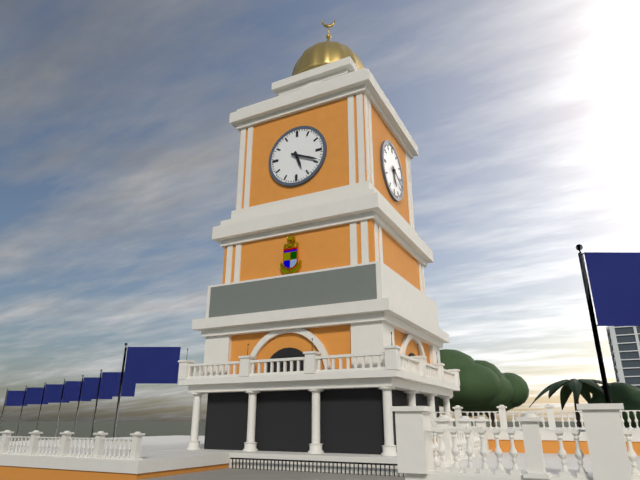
5:19
